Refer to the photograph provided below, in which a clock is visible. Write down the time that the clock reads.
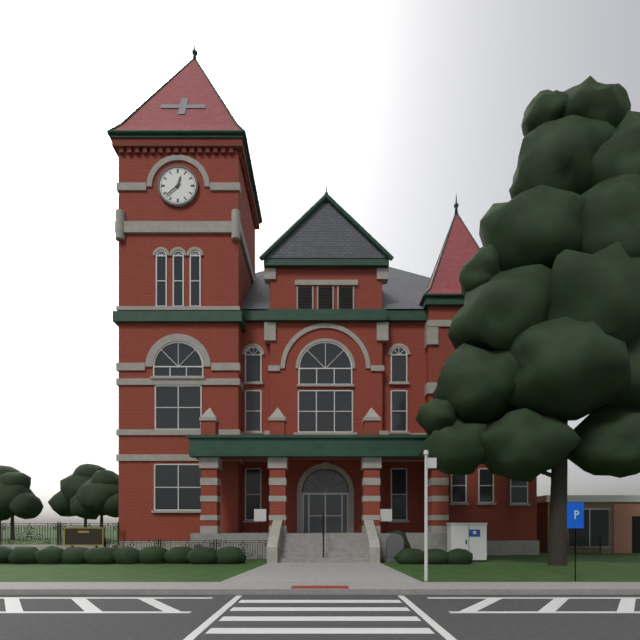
12:38
